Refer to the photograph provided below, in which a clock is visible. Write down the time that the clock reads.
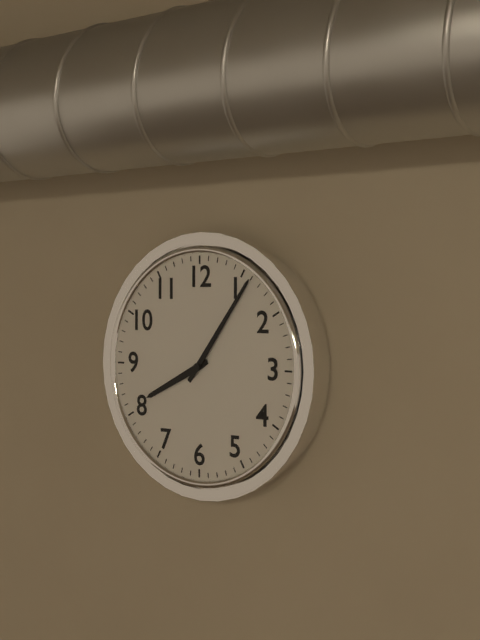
8:06
